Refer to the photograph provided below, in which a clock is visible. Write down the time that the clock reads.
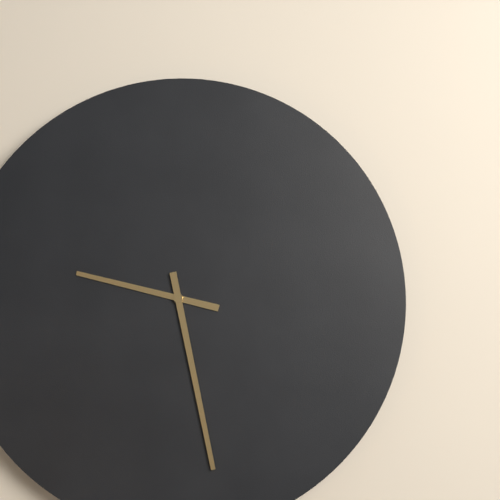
9:28
